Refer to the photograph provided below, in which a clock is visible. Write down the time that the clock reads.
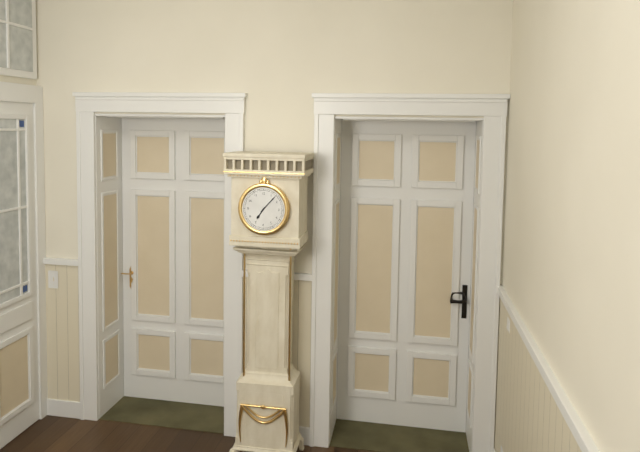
7:07
